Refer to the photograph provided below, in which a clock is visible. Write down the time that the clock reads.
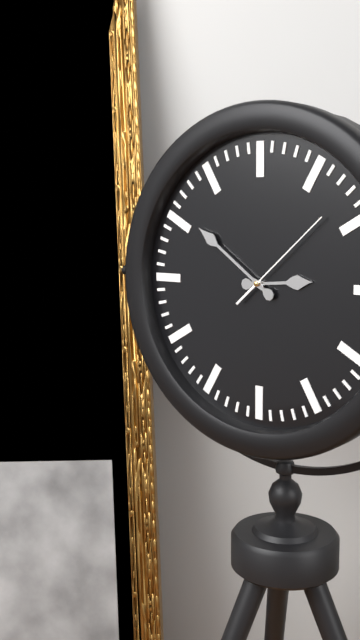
2:51:08
